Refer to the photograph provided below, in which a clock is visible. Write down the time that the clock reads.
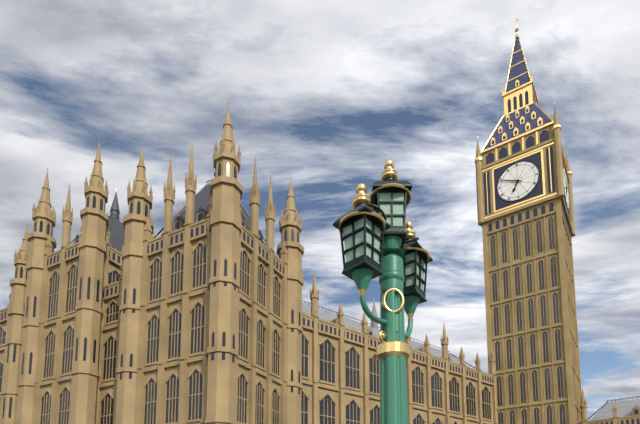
6:49
